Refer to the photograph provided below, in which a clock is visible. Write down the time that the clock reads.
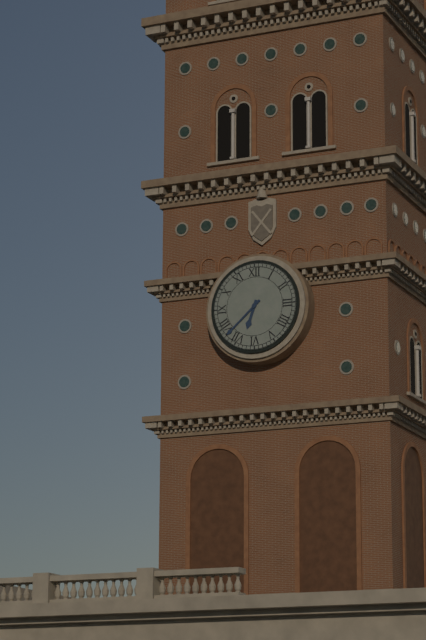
6:38
